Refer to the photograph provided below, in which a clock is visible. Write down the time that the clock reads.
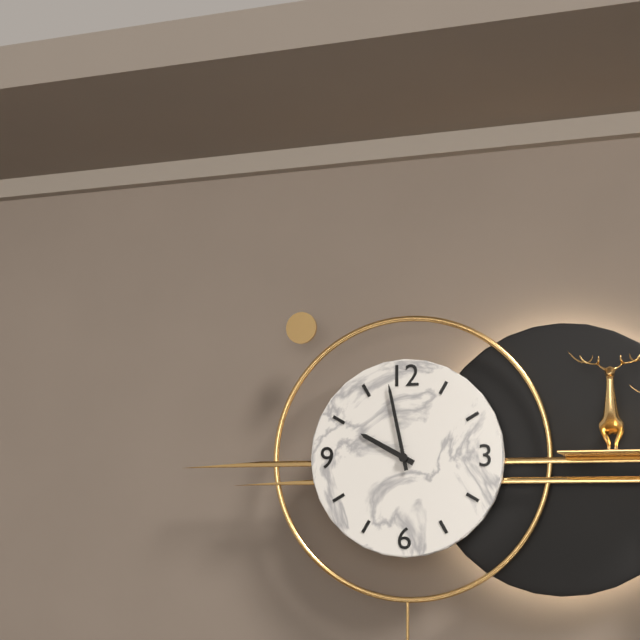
9:58
